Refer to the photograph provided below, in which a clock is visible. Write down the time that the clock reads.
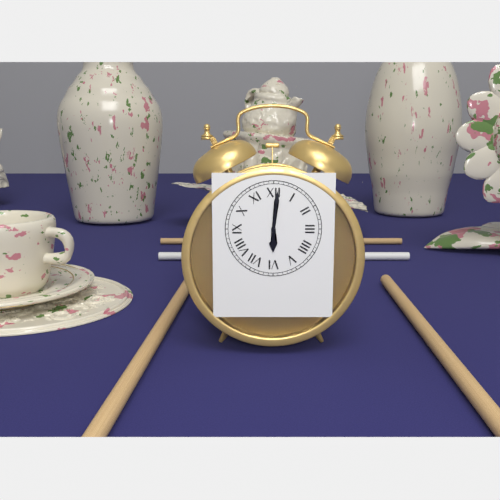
6:01
